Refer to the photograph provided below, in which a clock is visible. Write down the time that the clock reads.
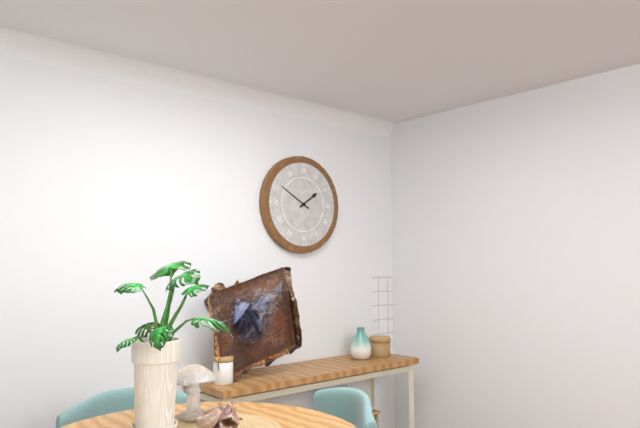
1:50
